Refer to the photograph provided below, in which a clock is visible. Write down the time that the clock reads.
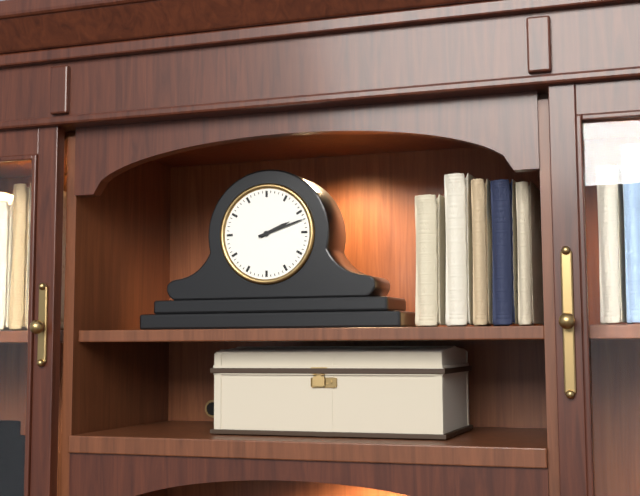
2:12
